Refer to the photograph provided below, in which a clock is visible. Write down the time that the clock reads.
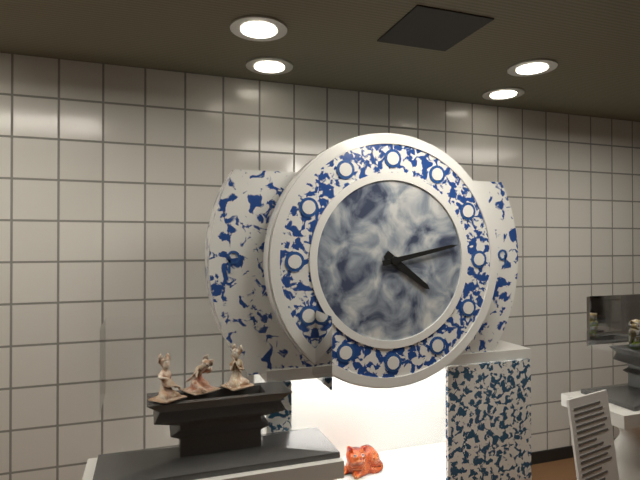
4:13
